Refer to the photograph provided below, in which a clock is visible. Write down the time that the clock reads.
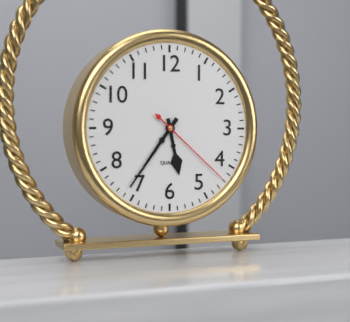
5:36:22
